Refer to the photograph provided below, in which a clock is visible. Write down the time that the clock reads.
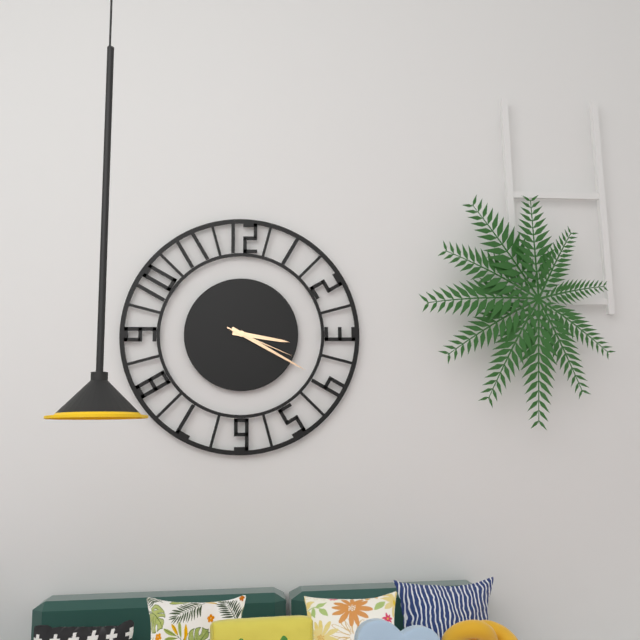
3:20:19
